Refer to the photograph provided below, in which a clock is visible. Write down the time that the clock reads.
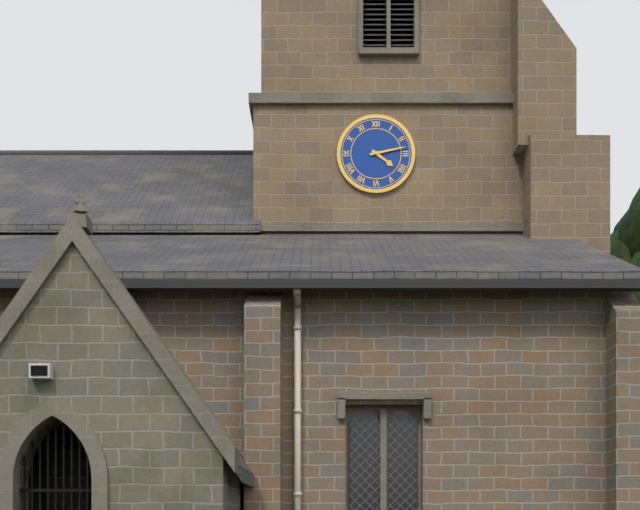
4:13
